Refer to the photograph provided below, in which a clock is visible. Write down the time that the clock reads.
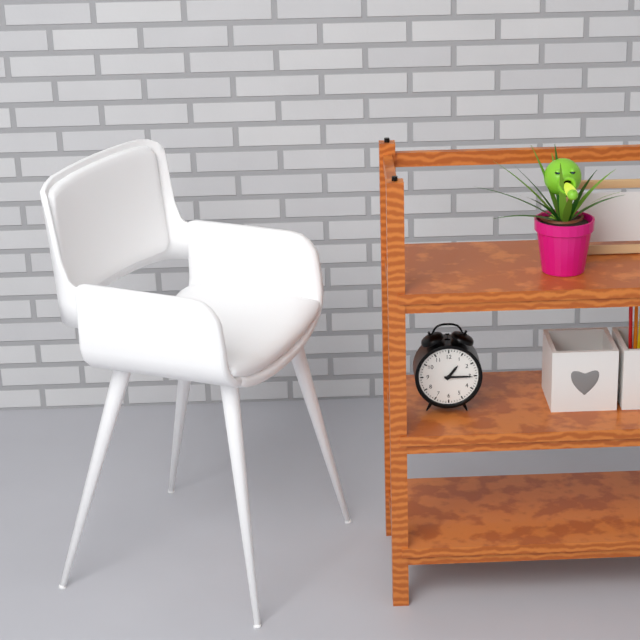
1:15
